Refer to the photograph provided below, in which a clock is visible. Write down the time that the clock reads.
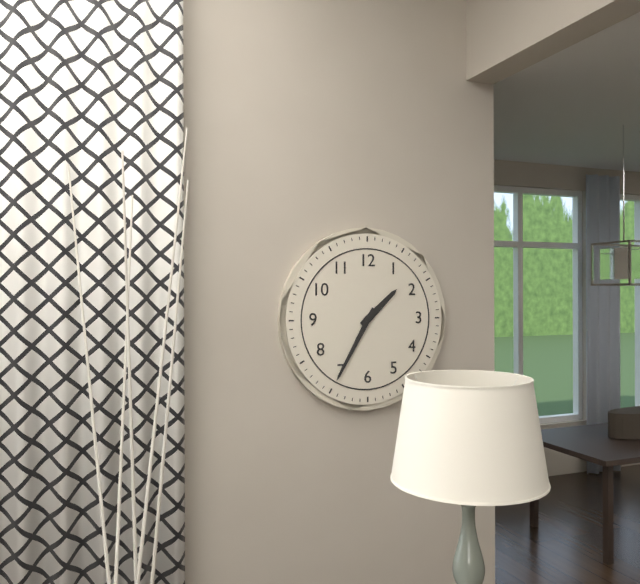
1:35
